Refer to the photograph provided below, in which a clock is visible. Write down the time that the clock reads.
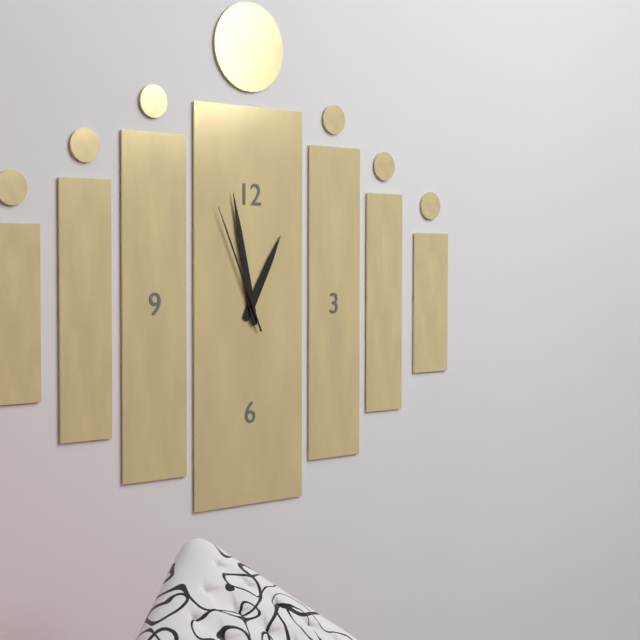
12:58:56
